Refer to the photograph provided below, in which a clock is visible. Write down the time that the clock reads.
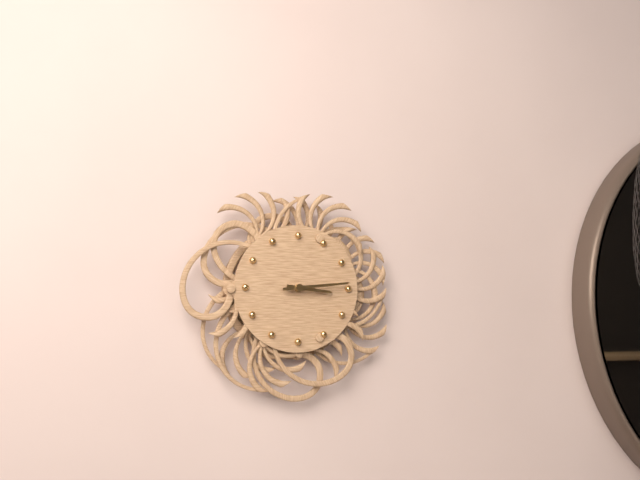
3:14
